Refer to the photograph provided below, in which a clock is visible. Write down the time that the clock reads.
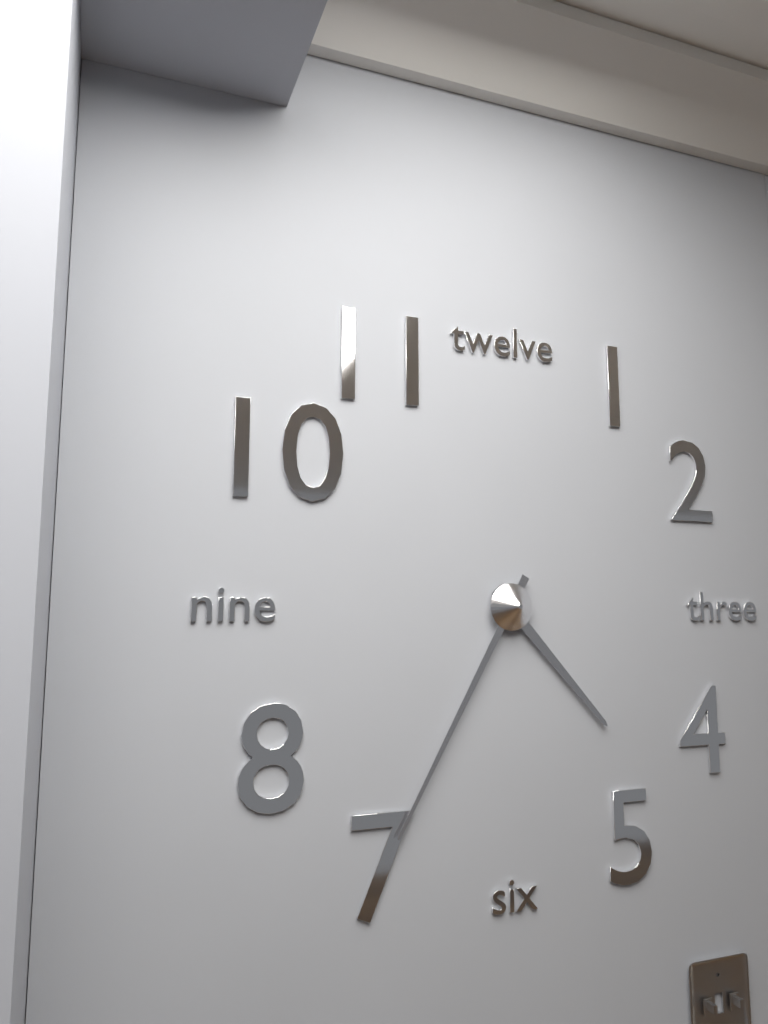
4:35
